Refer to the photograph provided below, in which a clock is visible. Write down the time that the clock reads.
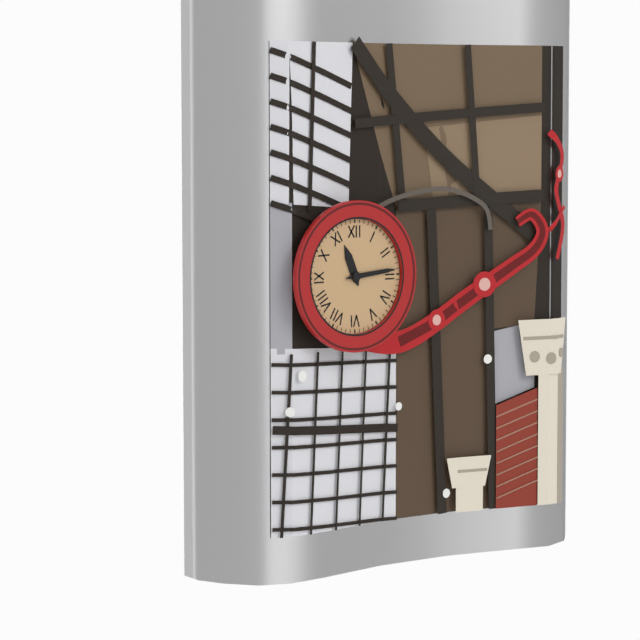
11:14
